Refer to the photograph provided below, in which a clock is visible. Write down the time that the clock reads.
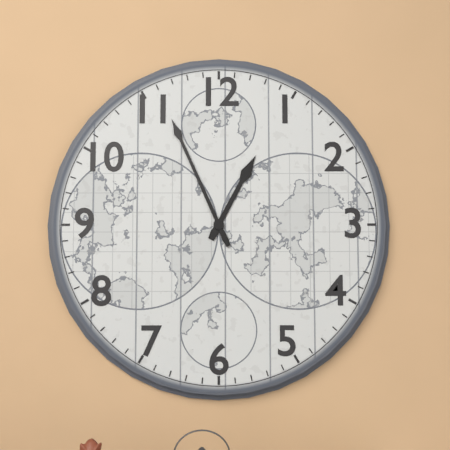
12:56
